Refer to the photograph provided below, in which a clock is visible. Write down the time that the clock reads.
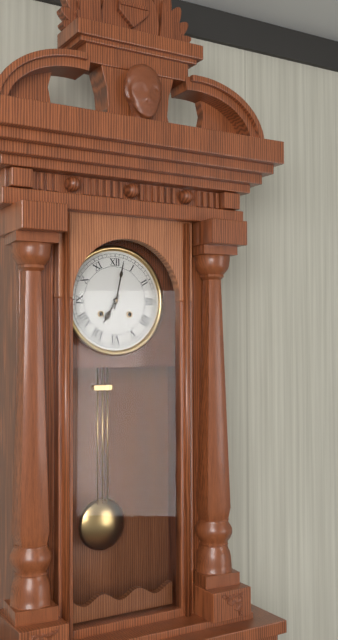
7:02
